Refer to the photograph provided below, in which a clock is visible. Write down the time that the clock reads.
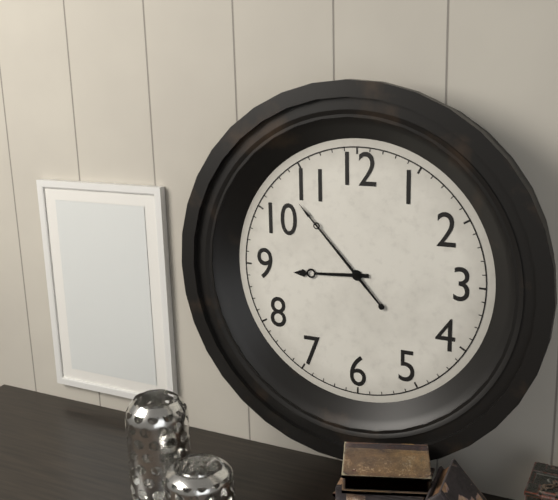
8:53
